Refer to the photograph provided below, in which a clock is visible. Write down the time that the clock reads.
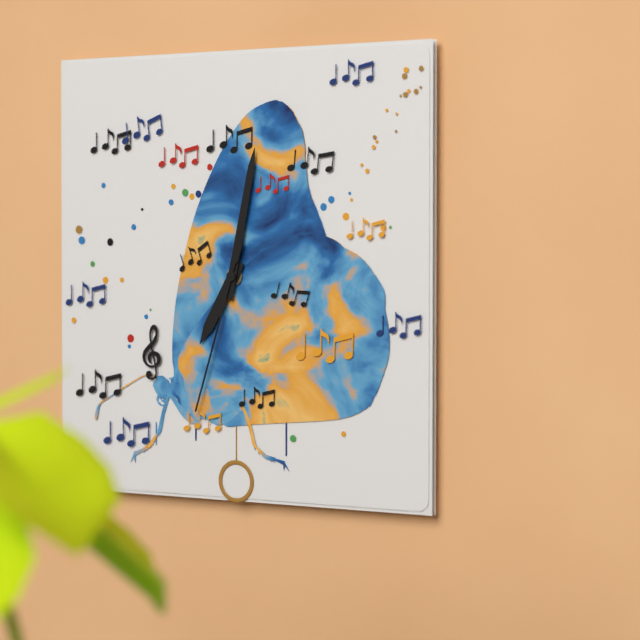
7:02:33
